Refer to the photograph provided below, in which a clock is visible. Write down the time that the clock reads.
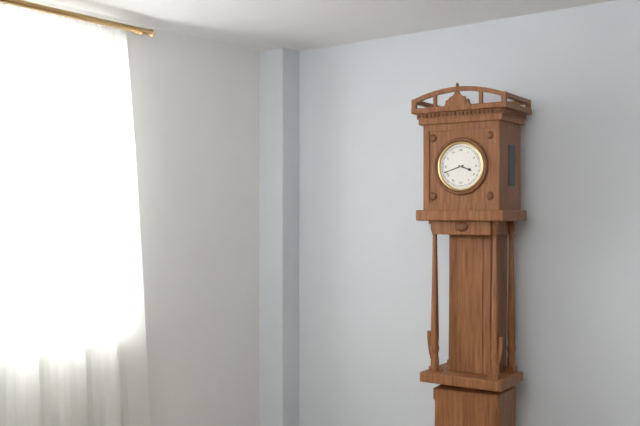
3:42
